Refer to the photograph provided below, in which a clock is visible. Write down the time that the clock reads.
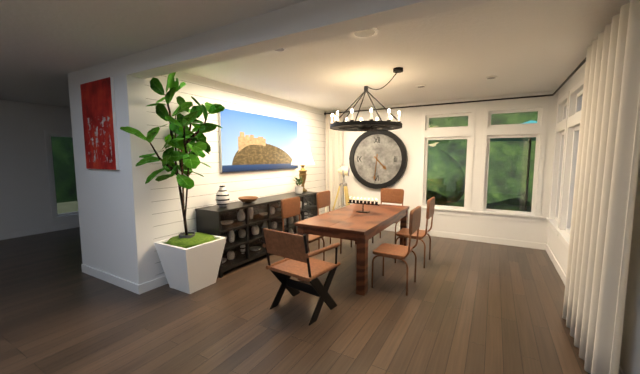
4:31
